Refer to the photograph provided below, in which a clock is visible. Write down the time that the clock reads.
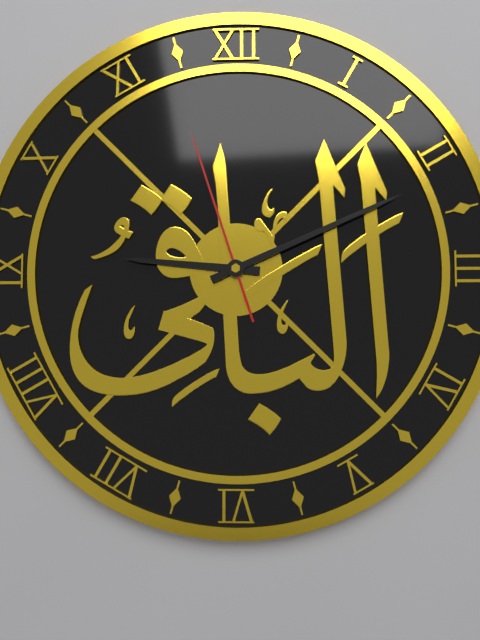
9:11:57
